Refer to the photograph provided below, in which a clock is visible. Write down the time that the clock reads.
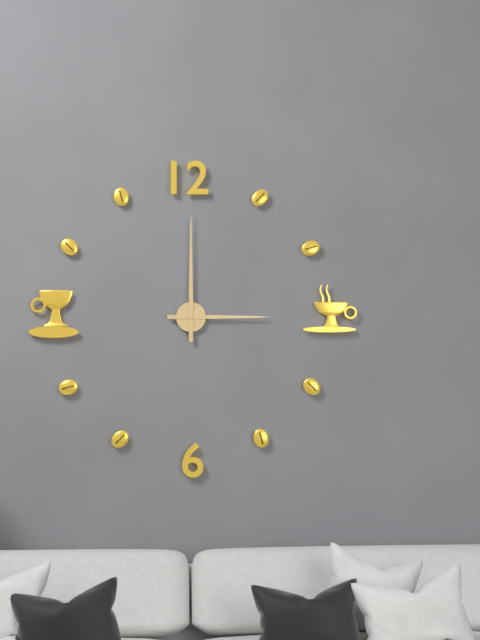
3:00
